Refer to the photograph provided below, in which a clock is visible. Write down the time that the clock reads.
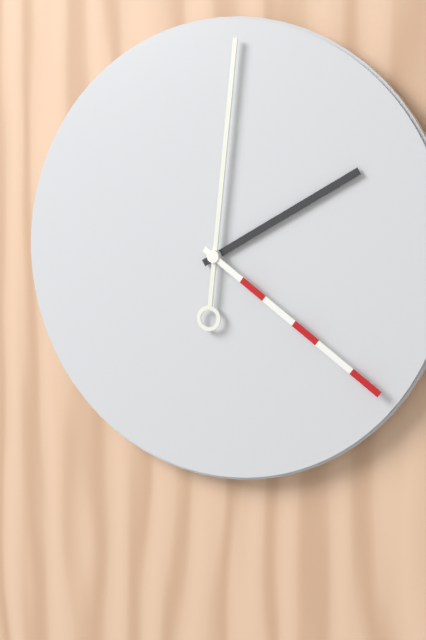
2:01:21
